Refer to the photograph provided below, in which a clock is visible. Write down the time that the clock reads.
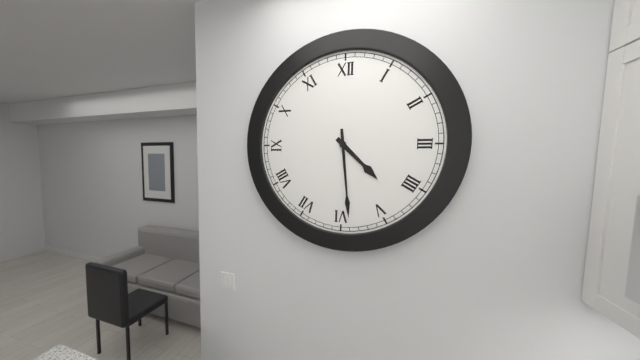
4:29
